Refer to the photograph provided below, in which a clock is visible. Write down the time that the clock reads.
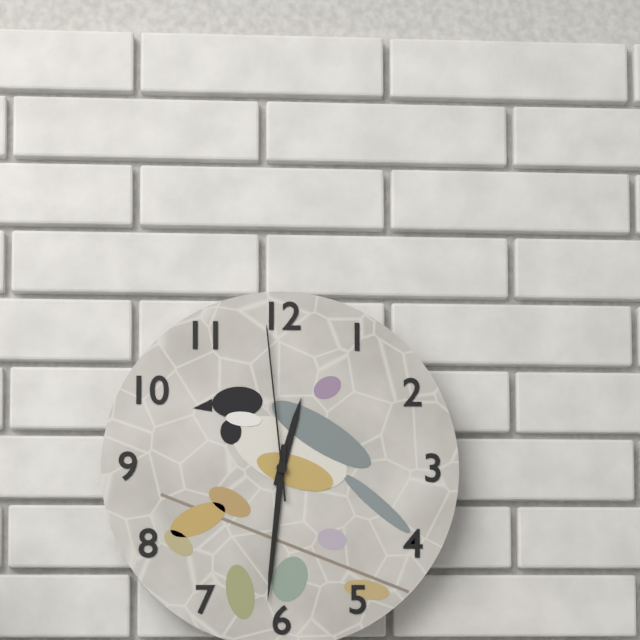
12:31:59
